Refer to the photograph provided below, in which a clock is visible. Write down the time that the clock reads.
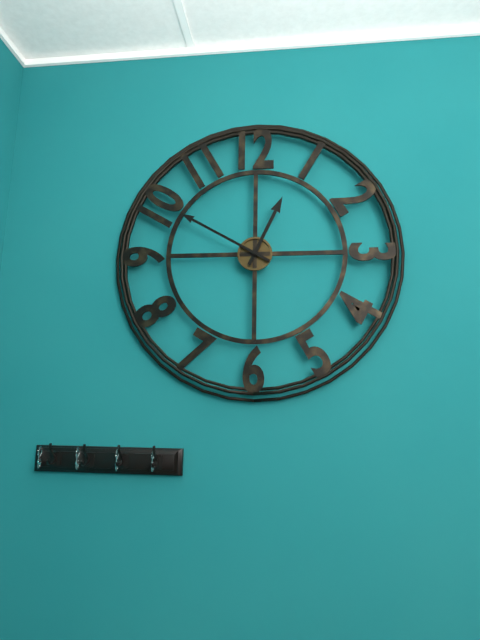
12:50
